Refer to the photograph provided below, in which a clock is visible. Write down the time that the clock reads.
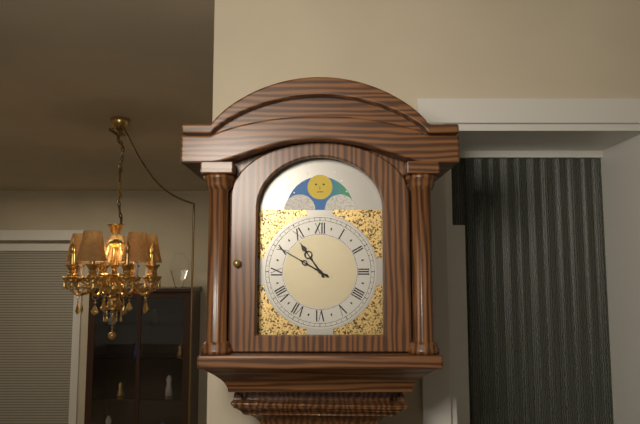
10:50
